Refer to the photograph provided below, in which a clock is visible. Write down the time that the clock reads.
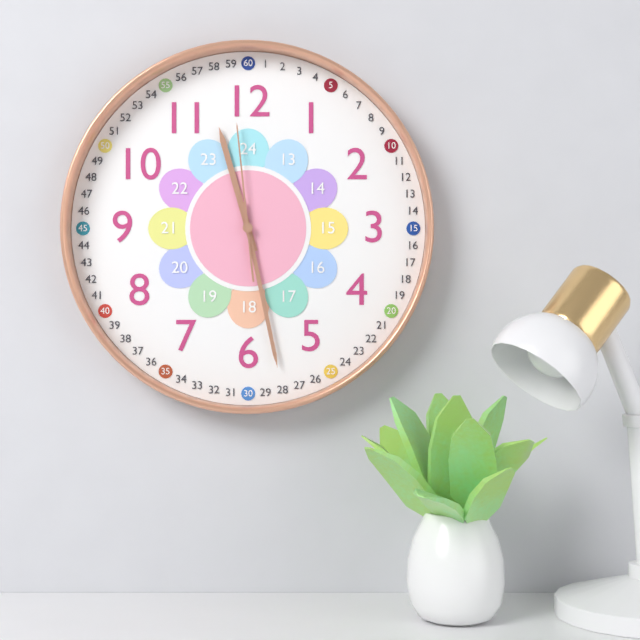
11:28:59
